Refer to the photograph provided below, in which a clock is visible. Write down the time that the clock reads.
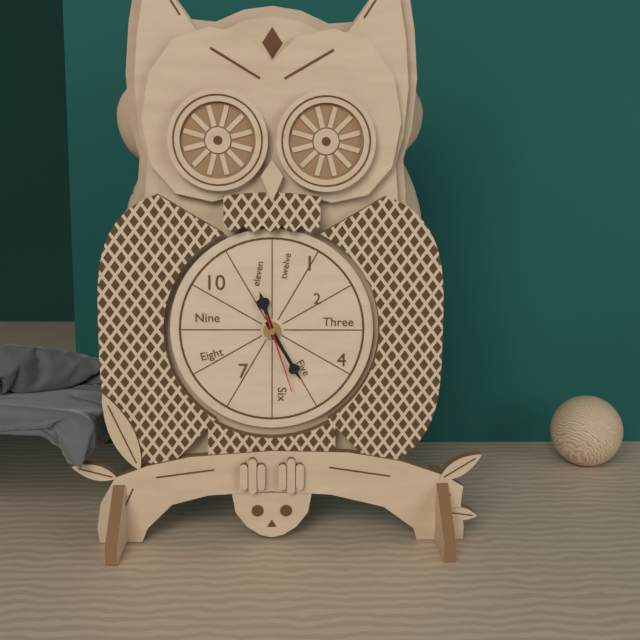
11:25:27
